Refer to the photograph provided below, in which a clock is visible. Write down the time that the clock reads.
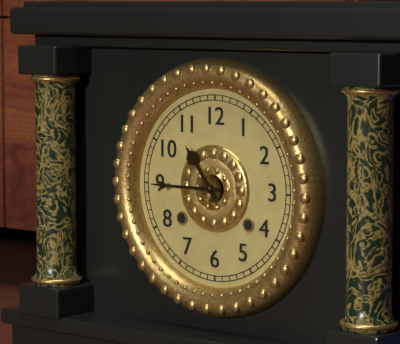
10:45
